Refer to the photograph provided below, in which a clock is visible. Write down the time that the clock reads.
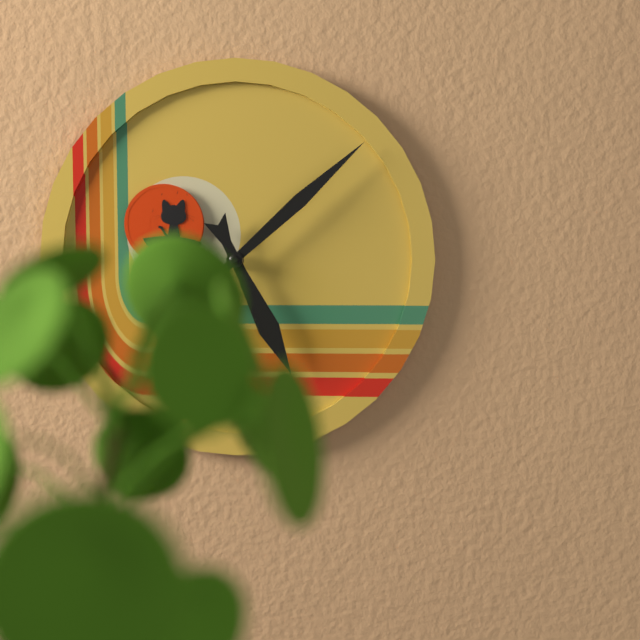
5:08
